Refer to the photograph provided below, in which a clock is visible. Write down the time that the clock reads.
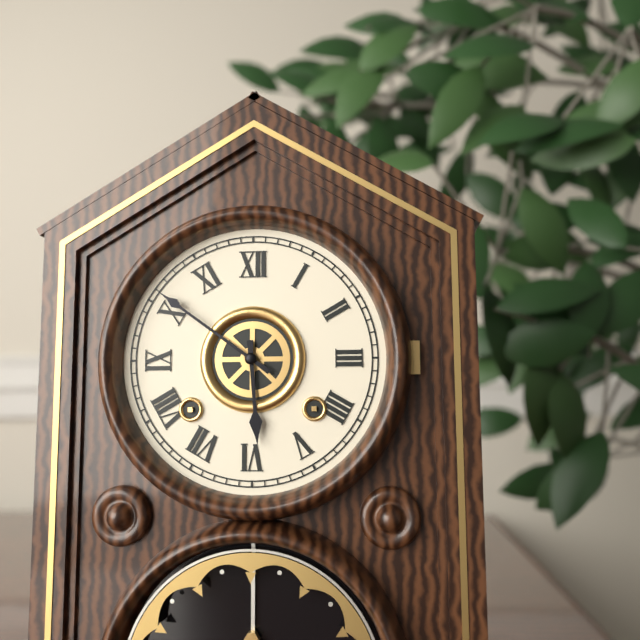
5:51
